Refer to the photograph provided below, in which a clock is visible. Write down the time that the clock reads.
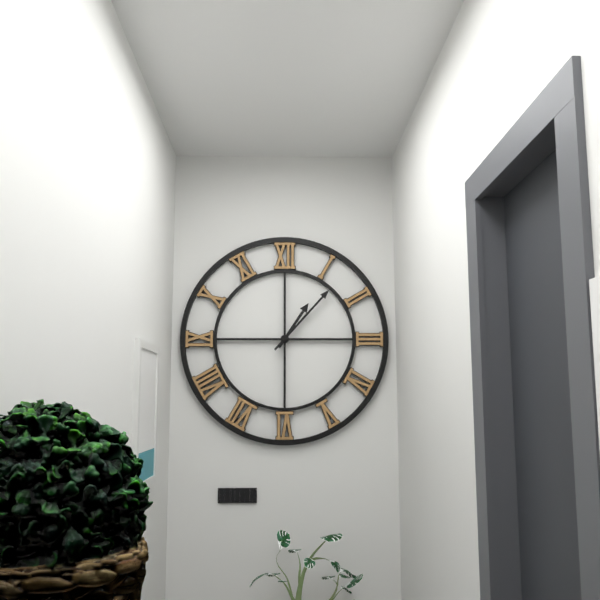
1:07
